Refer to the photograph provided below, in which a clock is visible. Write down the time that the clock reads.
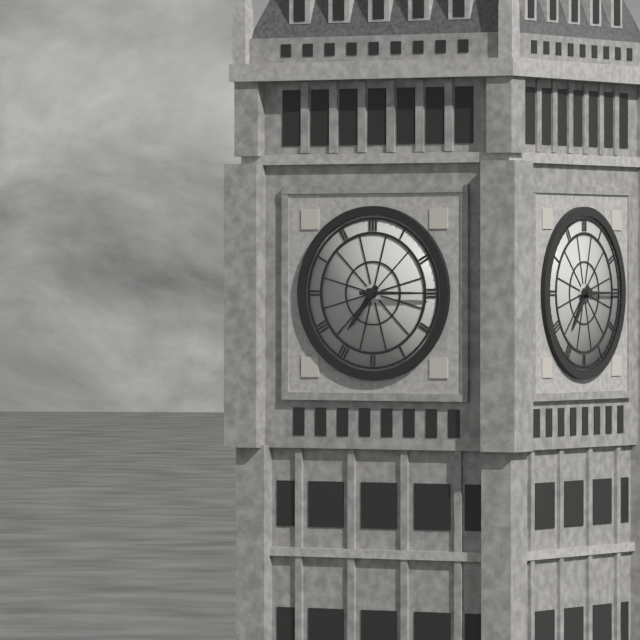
7:15
